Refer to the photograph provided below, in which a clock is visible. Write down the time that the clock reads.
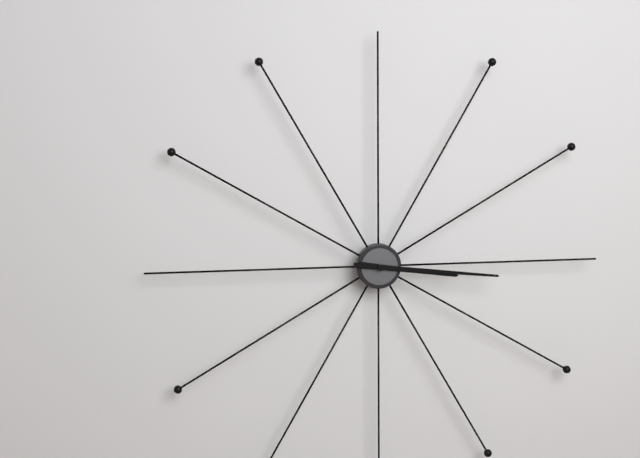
3:16
